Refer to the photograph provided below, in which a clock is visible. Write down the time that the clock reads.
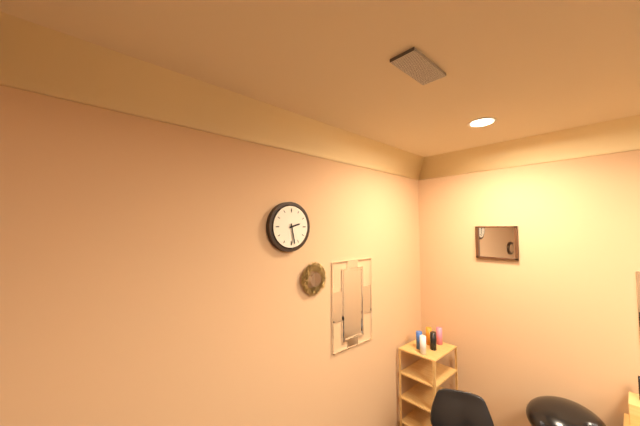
2:28
